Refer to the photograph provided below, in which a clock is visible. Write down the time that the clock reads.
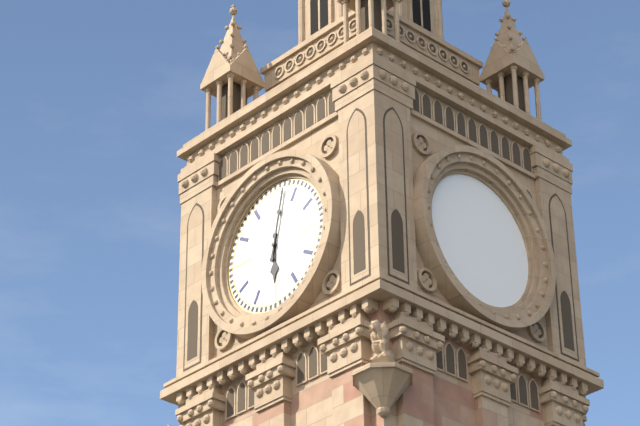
6:02
